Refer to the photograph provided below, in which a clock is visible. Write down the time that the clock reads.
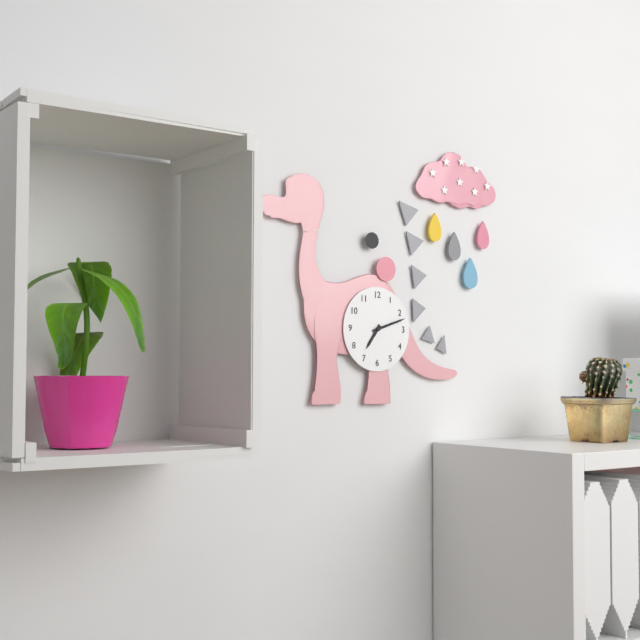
7:12
